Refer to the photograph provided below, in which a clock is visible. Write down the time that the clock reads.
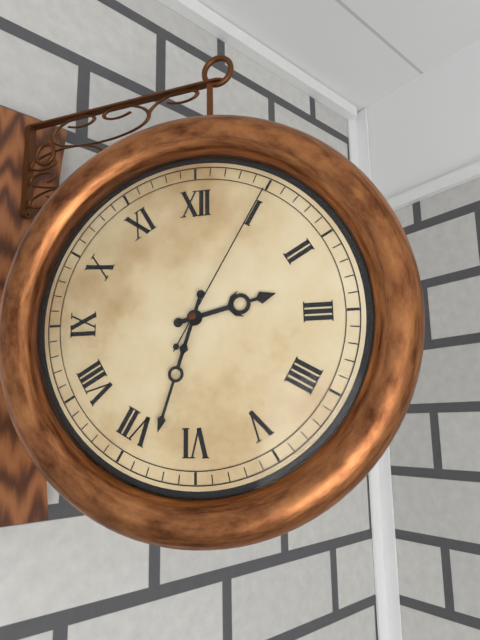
2:33:05
